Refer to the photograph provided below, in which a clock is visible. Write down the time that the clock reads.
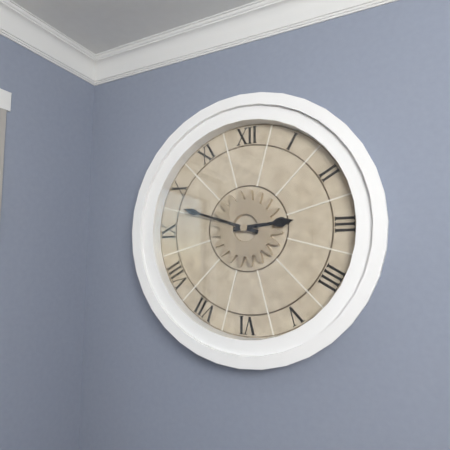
2:48
